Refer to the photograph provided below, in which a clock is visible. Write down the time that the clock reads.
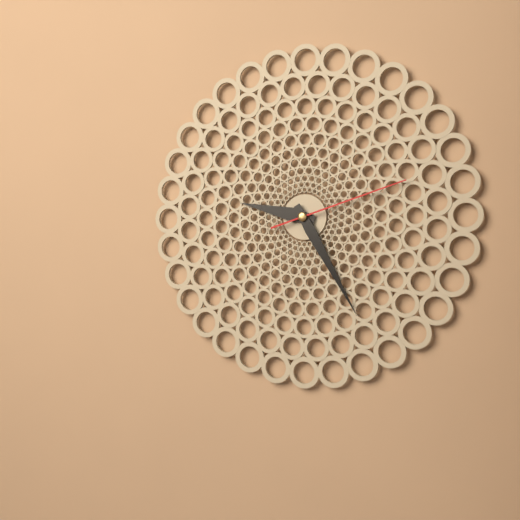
9:25:12
